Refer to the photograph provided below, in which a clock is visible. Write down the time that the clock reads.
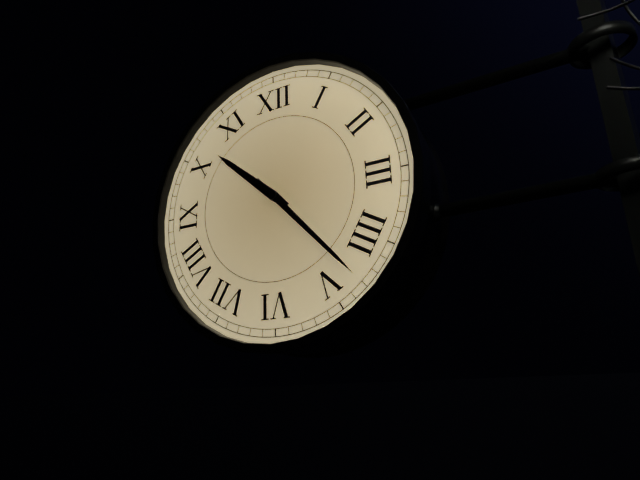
10:23
